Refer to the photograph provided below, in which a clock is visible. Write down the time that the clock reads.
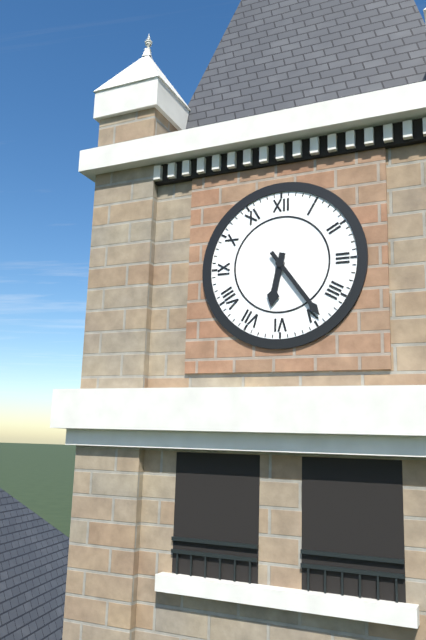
6:24
